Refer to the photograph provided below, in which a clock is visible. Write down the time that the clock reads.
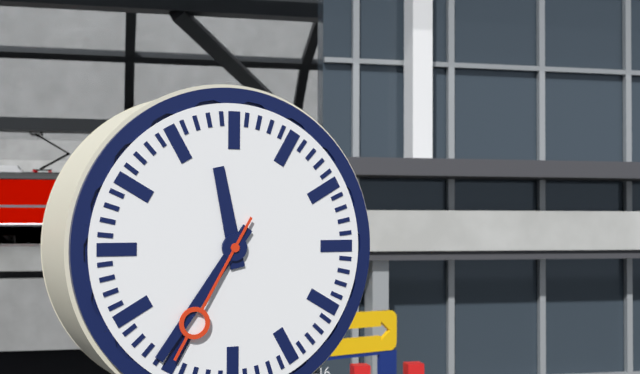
11:36:35
